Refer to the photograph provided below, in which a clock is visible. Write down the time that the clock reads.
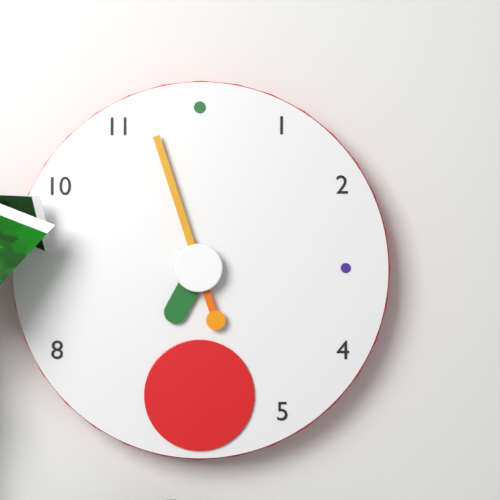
6:57
